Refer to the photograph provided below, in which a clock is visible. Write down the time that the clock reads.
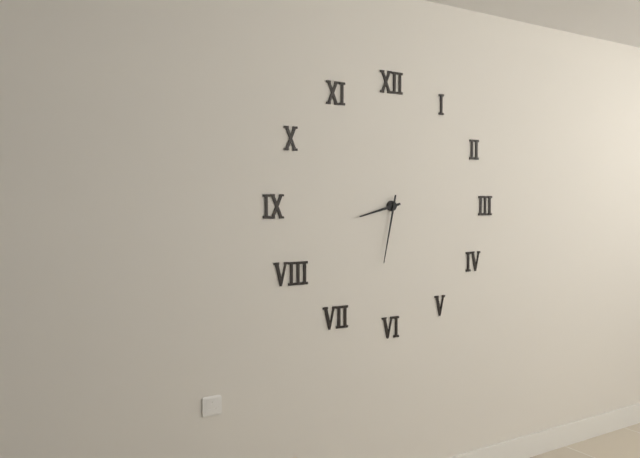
8:32
